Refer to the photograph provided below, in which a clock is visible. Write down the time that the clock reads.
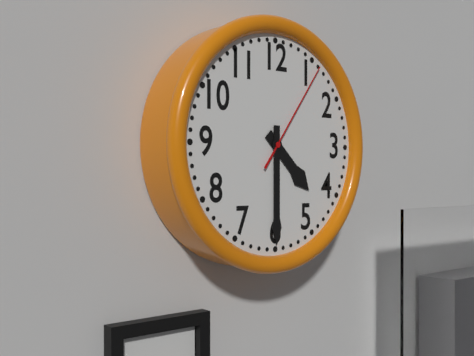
4:30:06
